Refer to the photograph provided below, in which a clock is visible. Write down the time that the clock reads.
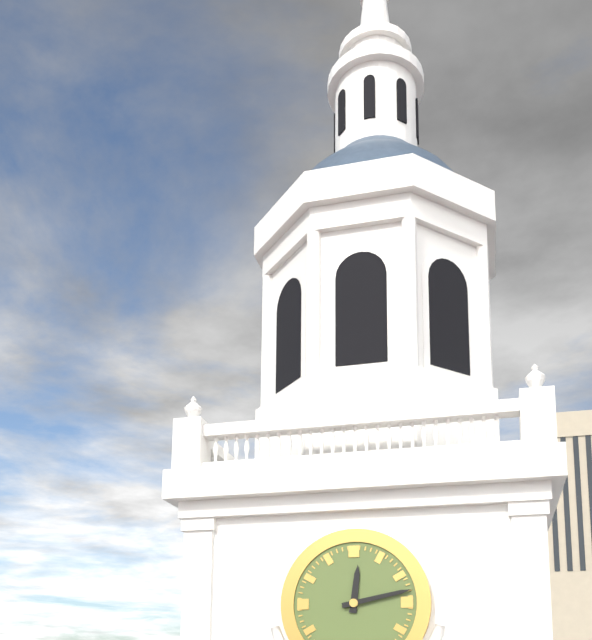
12:13
